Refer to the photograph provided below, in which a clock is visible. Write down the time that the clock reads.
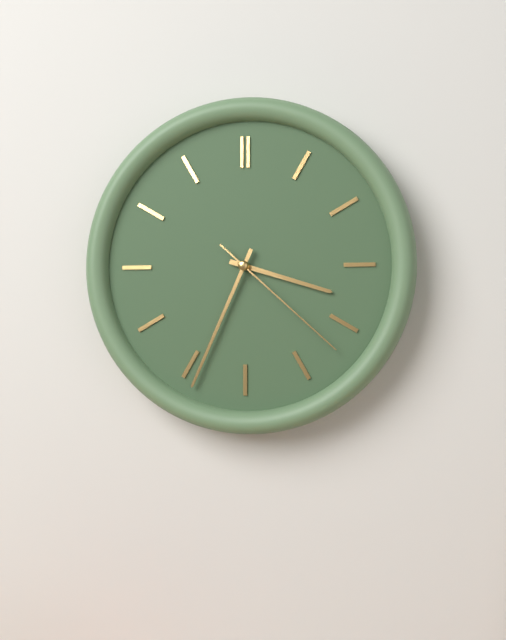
3:34:22
